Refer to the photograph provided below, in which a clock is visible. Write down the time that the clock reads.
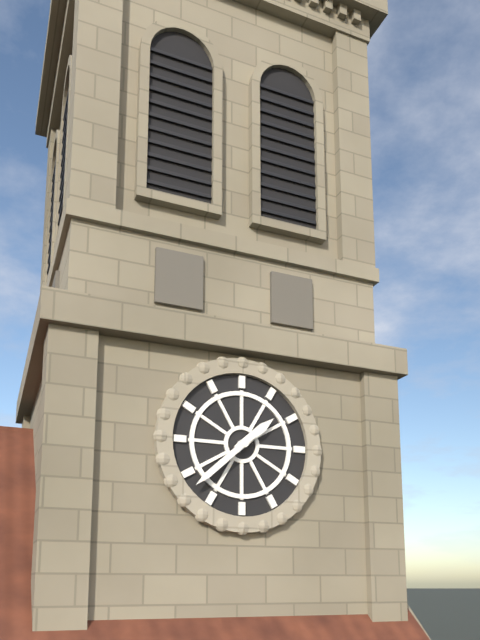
1:38
